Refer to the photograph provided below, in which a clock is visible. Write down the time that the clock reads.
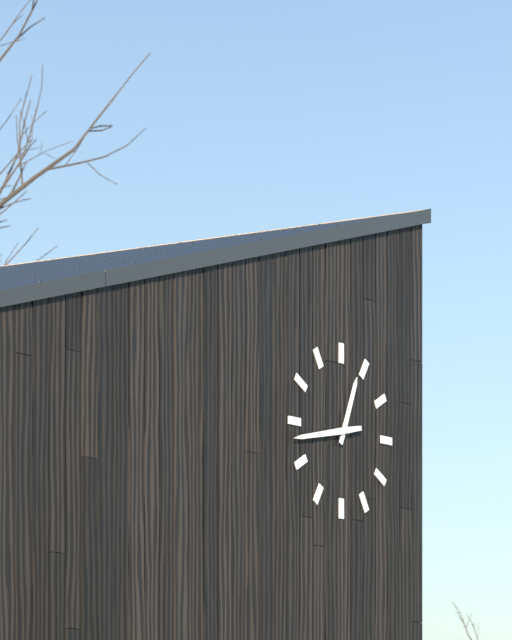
12:43
